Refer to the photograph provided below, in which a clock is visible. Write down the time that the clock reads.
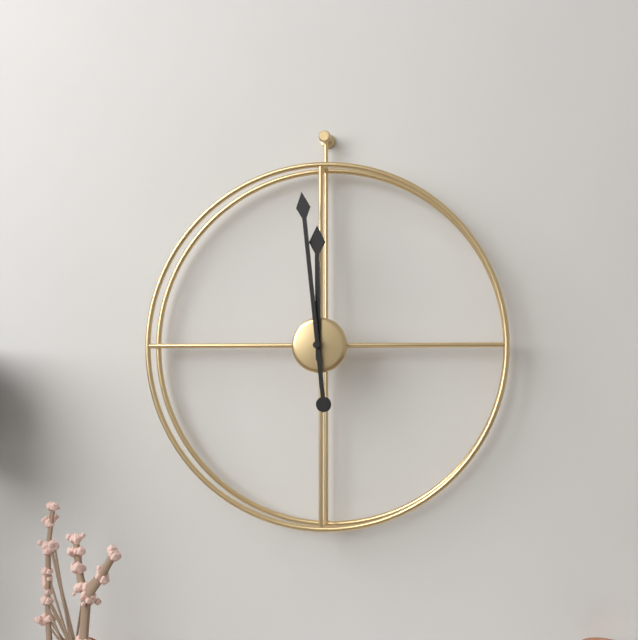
11:59
